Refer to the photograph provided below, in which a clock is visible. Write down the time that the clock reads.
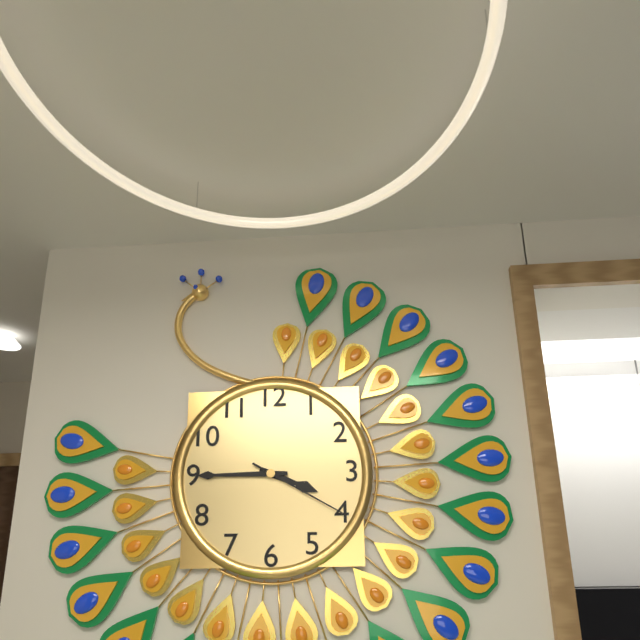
3:45:20
